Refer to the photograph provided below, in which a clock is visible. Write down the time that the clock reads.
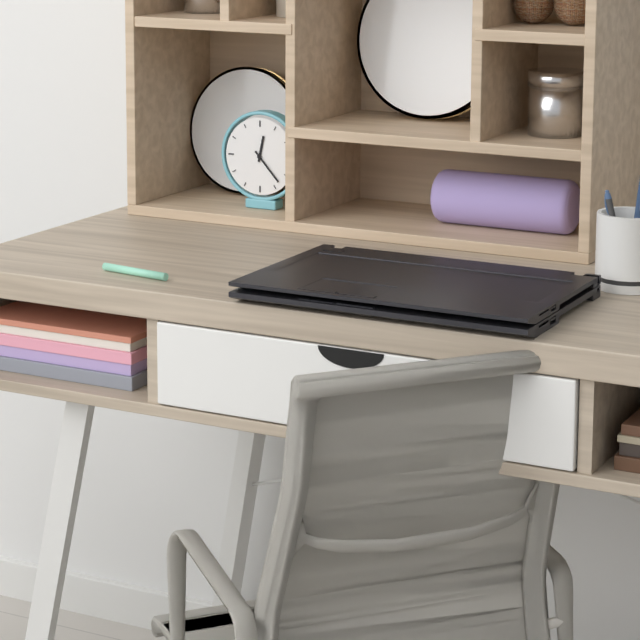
12:23
